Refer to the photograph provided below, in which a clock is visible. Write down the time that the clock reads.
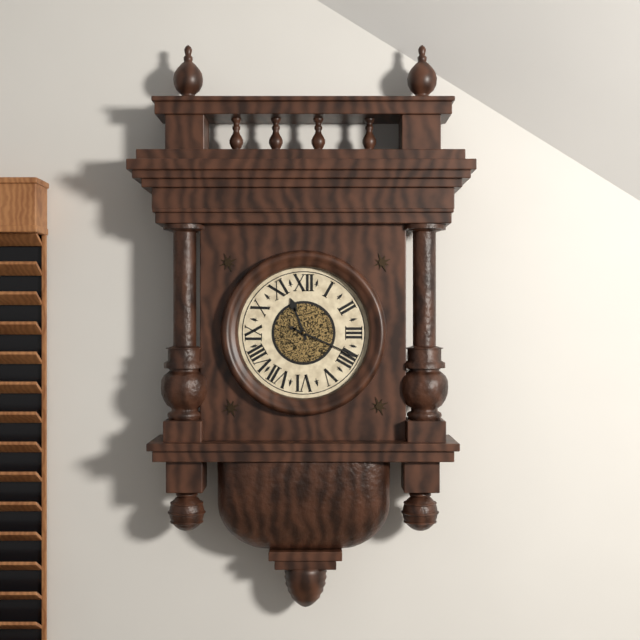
11:19
